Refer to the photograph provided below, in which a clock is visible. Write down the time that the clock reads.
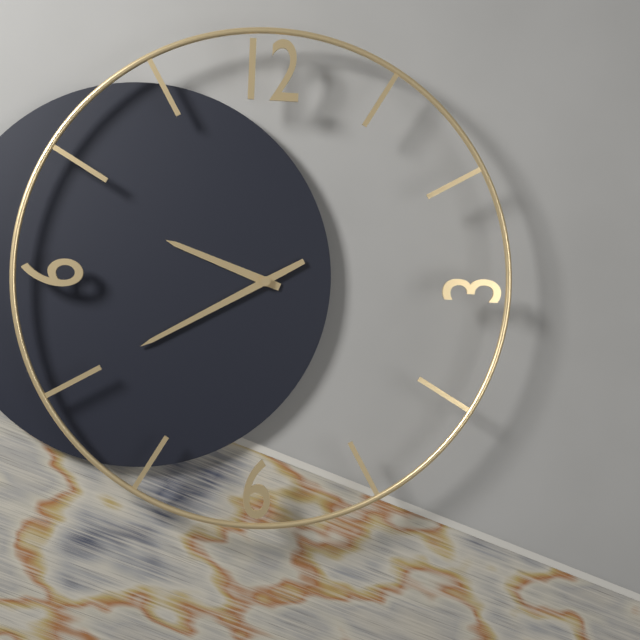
9:40
